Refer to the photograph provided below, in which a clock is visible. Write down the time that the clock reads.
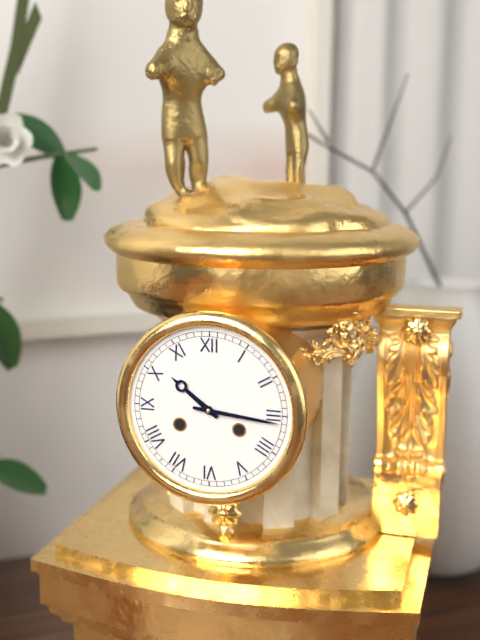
10:16
